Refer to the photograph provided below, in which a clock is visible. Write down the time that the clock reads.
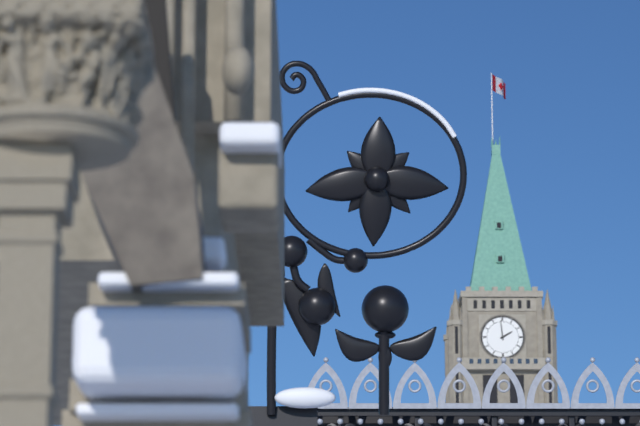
1:59
